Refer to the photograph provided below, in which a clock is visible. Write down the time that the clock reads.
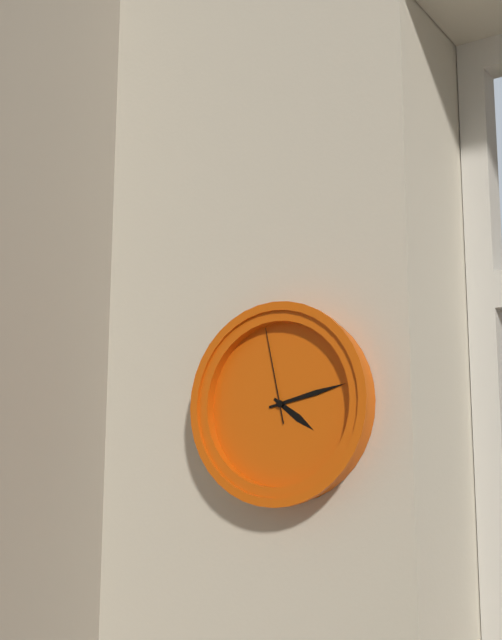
4:13:58
